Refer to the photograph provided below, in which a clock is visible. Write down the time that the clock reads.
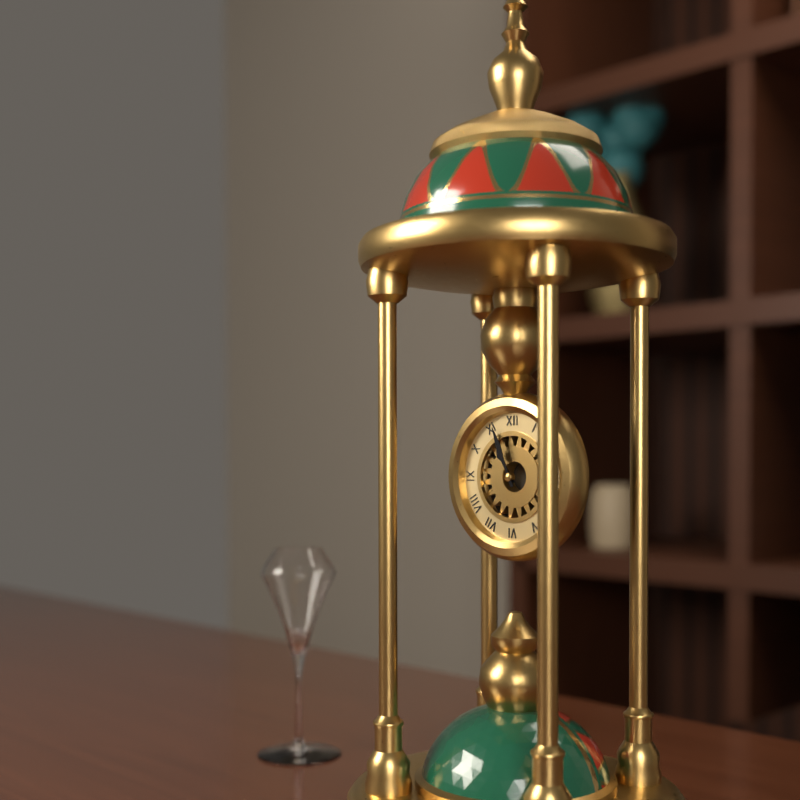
10:56
